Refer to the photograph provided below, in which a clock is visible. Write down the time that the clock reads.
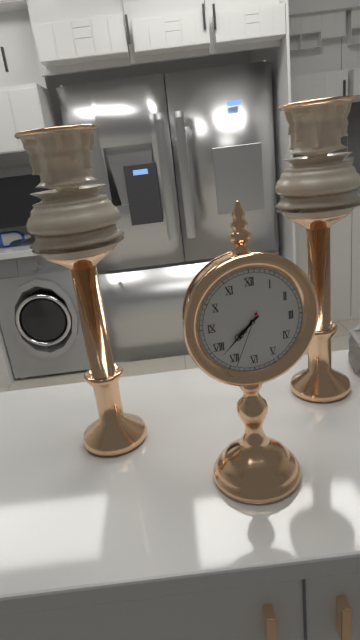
7:38:34
